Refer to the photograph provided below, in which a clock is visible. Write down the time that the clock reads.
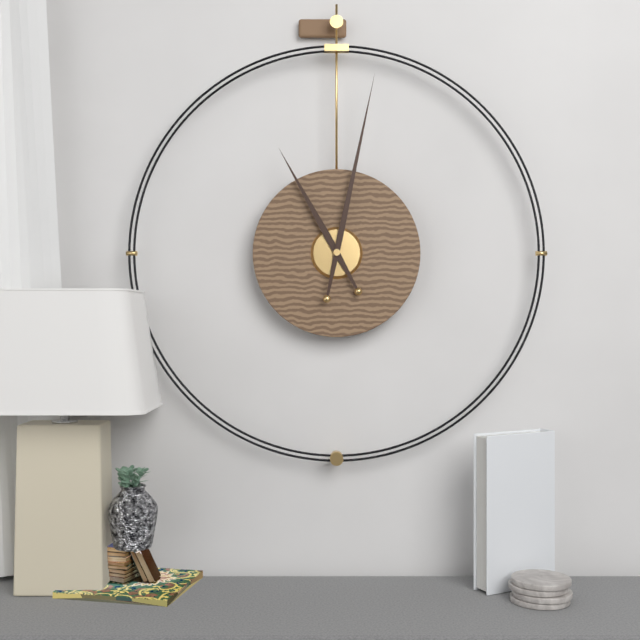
11:02
